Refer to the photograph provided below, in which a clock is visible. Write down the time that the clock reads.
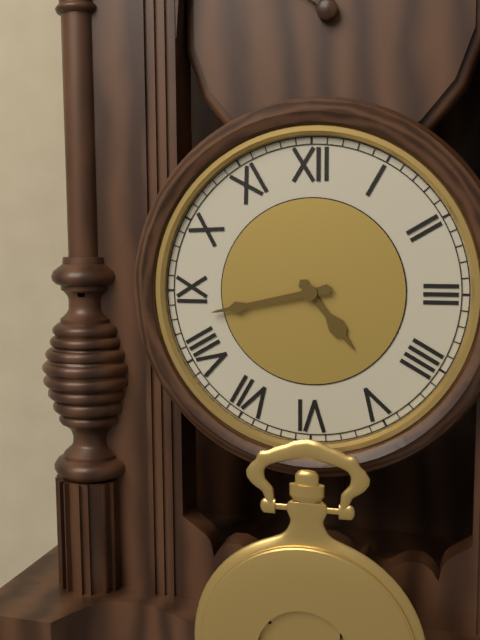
4:43
